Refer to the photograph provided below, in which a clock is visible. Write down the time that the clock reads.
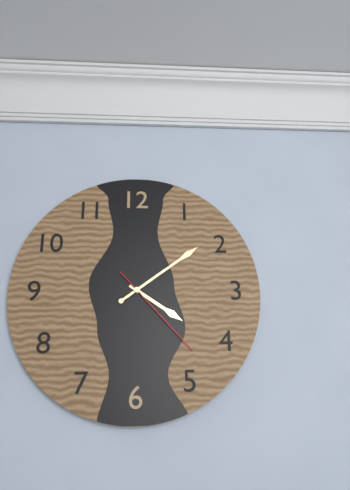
4:09:23
